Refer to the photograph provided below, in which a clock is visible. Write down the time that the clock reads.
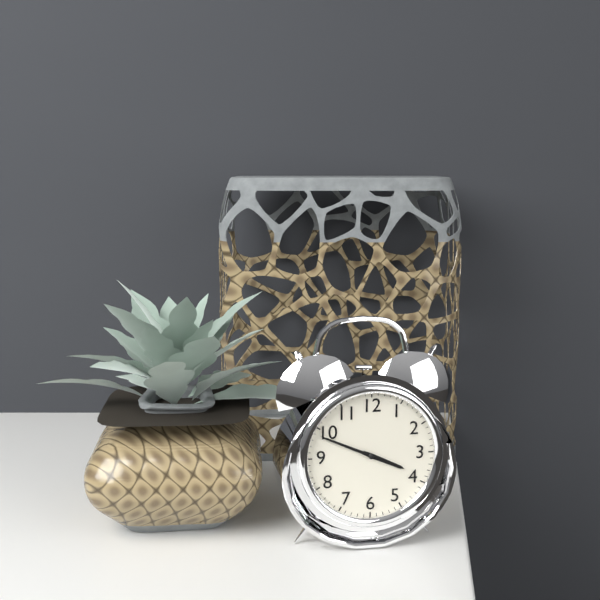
3:49
